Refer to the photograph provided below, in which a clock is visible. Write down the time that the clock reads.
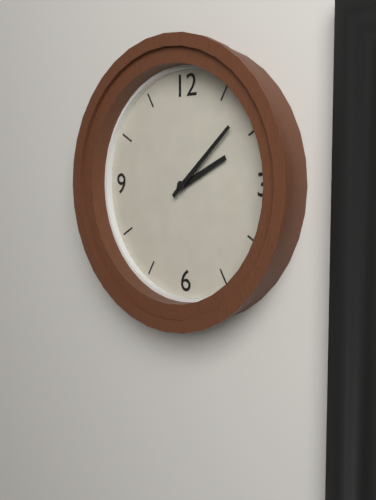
2:08
